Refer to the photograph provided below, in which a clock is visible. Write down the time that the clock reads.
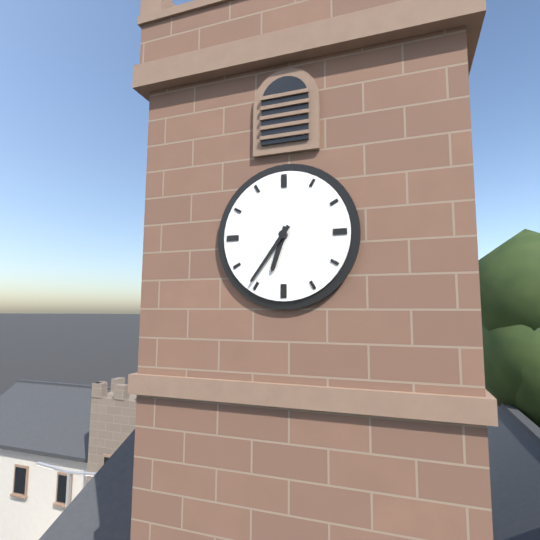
6:36
